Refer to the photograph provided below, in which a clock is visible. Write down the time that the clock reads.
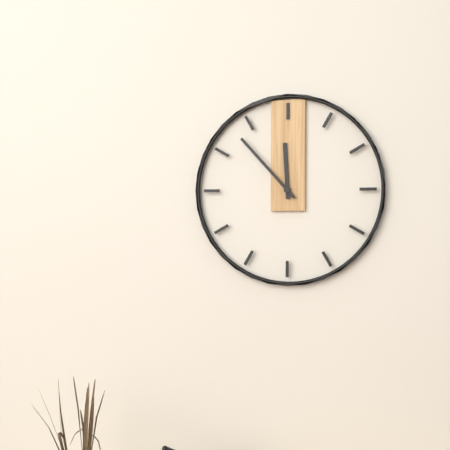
11:53
